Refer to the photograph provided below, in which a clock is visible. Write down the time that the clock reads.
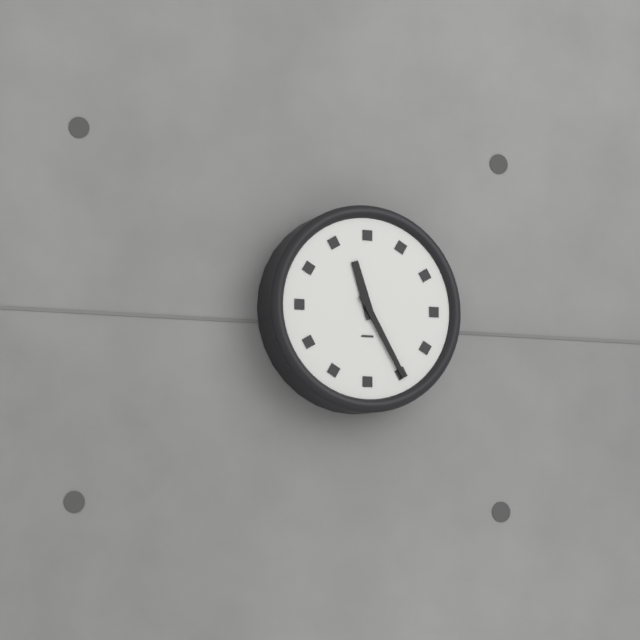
11:25
